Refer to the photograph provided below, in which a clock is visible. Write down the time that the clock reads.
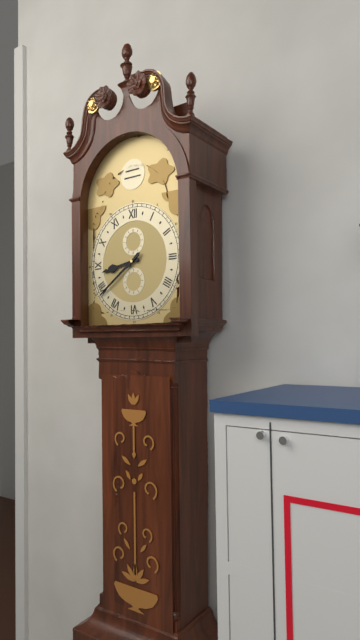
8:39
